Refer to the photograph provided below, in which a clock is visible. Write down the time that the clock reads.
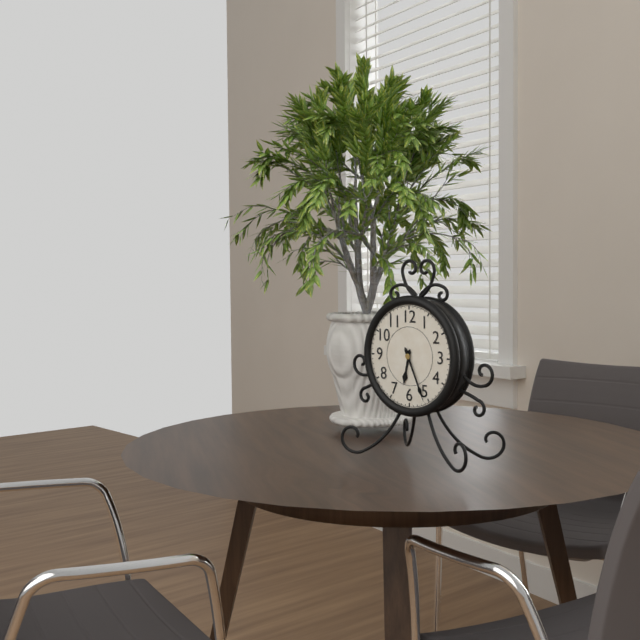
6:26
